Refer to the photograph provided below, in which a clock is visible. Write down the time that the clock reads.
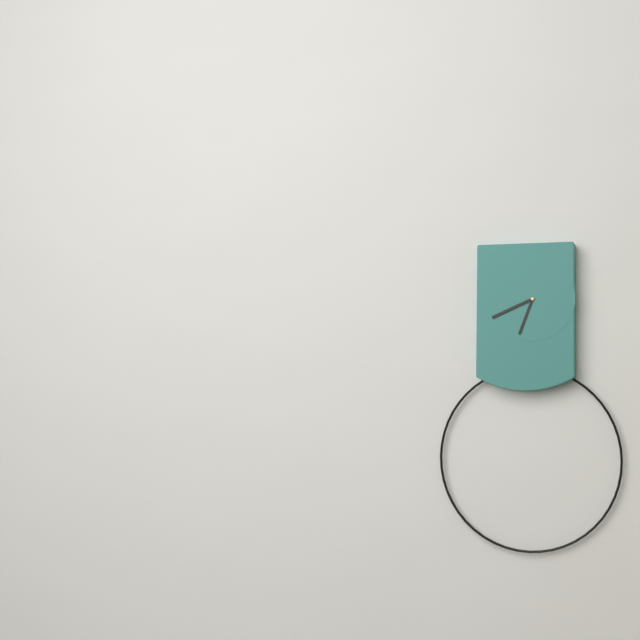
6:41
